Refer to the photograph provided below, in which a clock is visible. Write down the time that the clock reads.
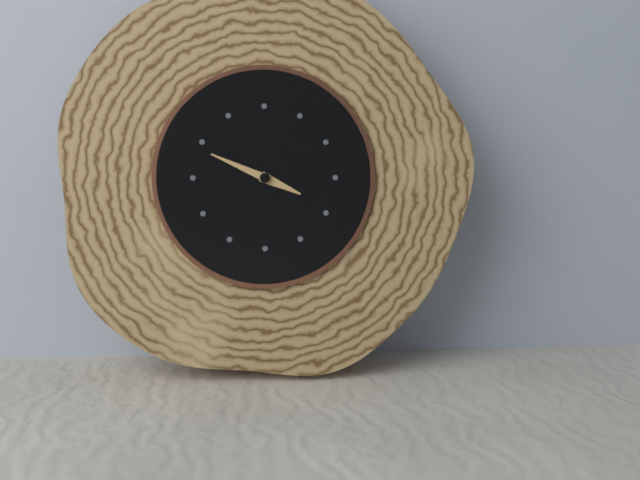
3:49
